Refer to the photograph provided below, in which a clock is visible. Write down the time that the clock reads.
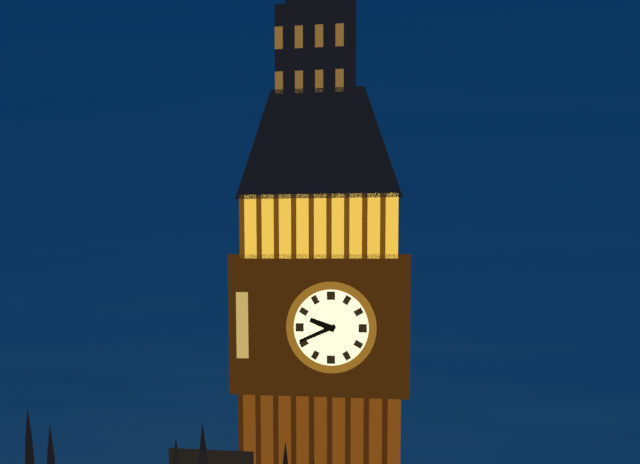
9:41
